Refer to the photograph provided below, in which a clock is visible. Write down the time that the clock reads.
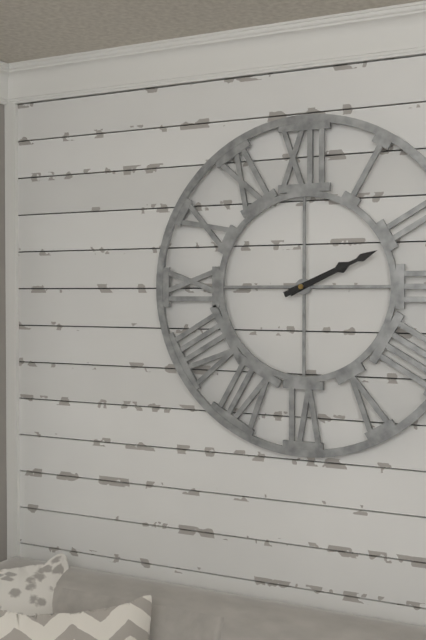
2:11
